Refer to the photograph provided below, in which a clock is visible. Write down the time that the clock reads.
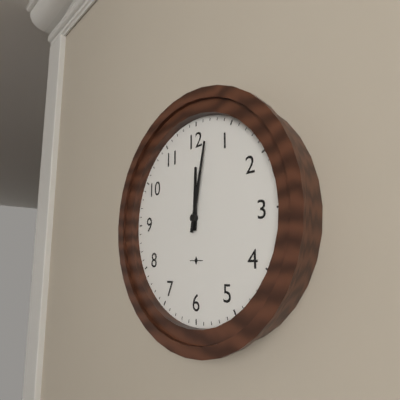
12:02
